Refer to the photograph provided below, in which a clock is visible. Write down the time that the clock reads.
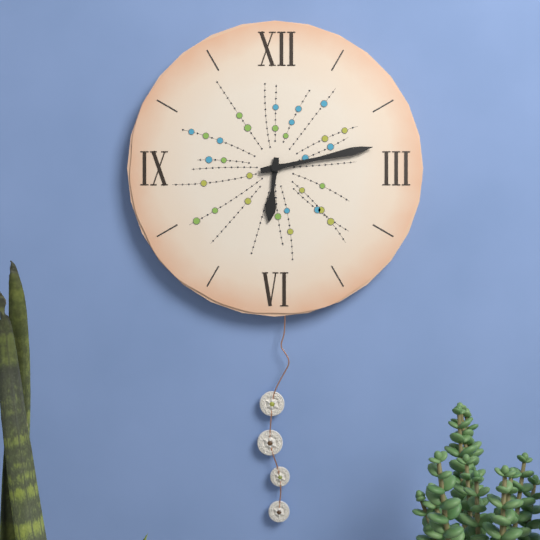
6:13
